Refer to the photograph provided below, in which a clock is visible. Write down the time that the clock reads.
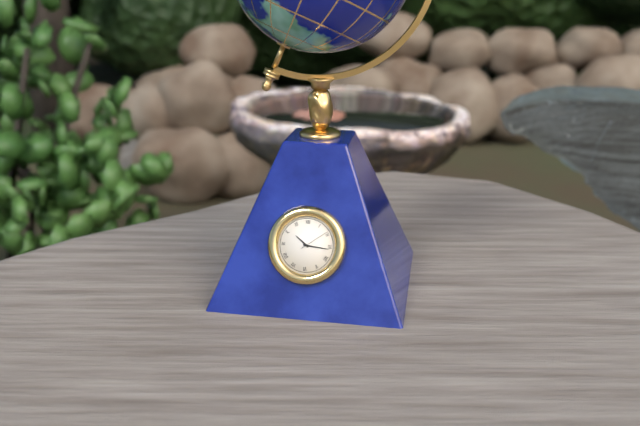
10:16
